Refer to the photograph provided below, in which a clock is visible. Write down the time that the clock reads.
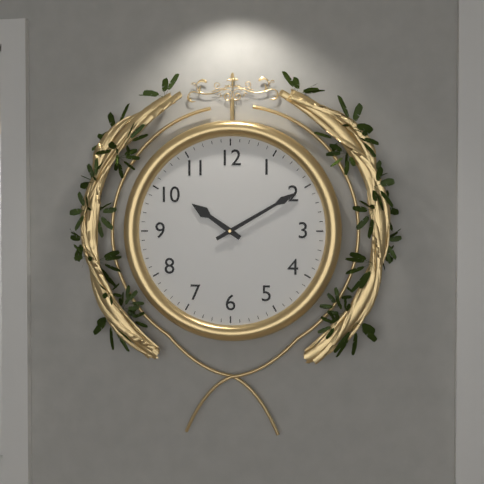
10:10
